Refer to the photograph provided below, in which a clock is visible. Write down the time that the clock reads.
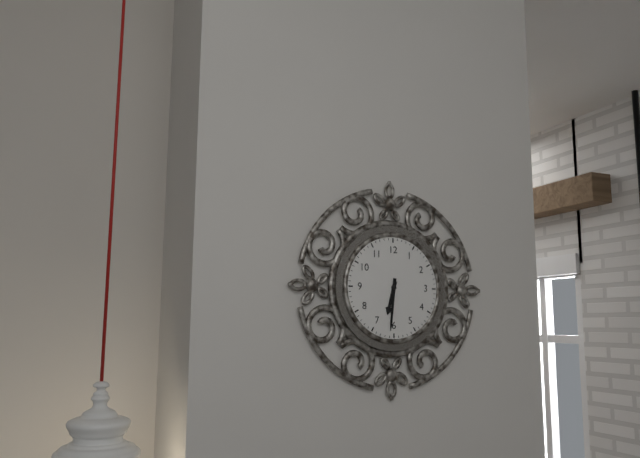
6:31
